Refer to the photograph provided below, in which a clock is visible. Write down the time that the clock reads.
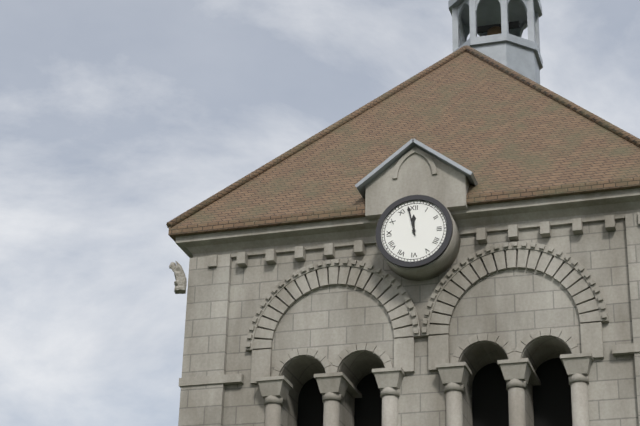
11:58
